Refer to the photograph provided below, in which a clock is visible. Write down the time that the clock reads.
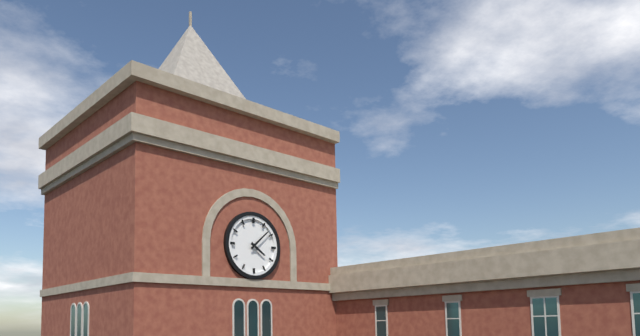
4:08
